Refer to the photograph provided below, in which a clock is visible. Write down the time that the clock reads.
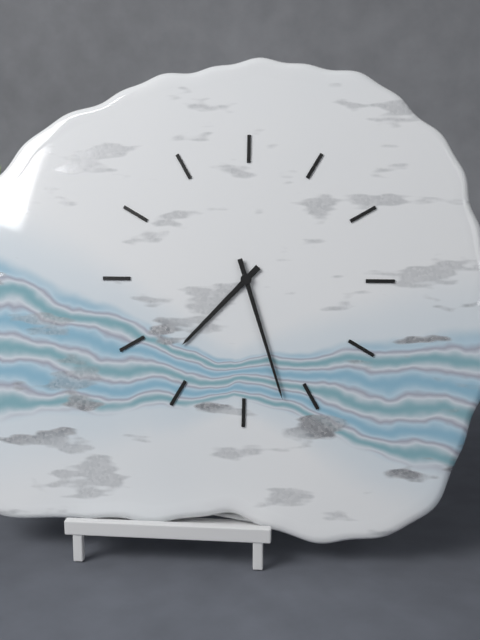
7:27
